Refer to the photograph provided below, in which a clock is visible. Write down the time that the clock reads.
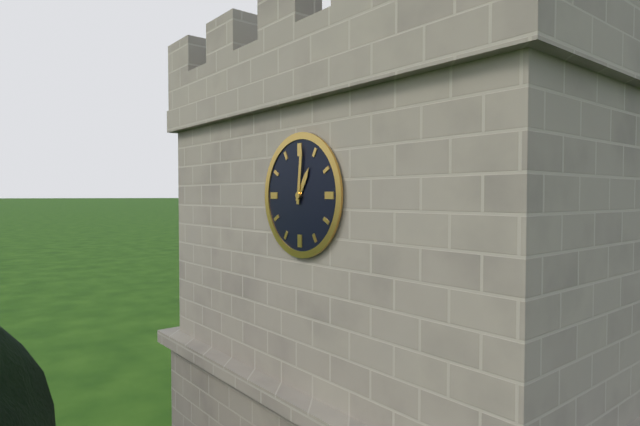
1:01
